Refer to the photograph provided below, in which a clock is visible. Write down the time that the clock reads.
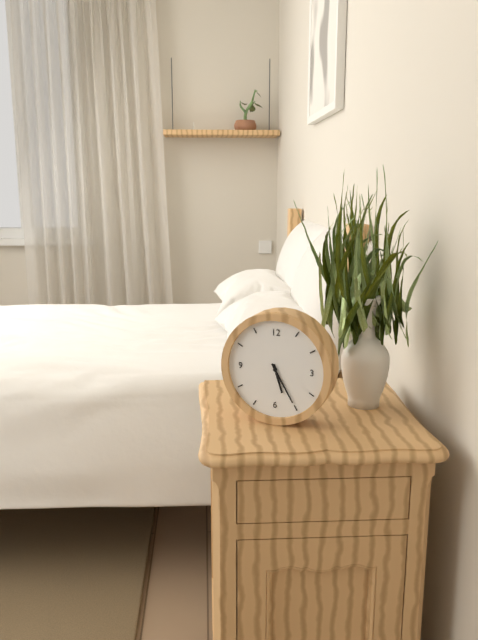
5:25
